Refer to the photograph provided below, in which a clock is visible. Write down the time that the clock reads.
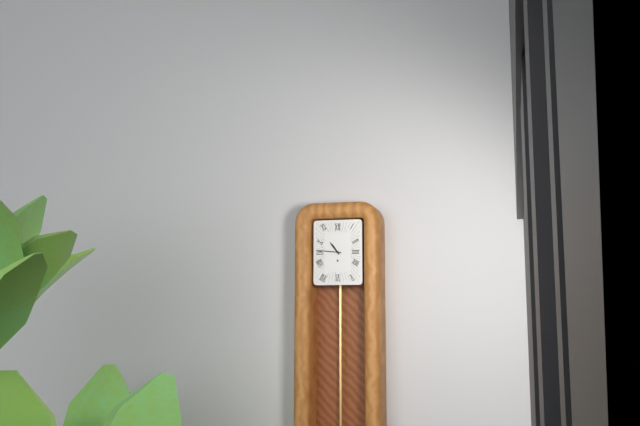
10:46
